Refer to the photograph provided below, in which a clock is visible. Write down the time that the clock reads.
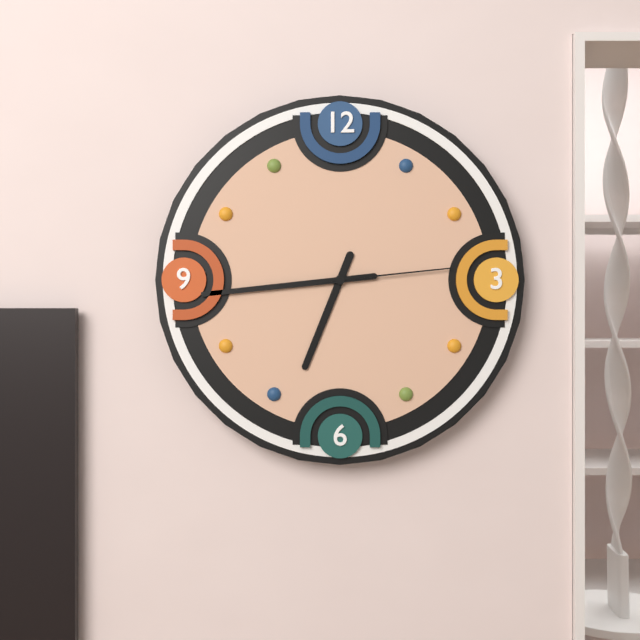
6:44:14
